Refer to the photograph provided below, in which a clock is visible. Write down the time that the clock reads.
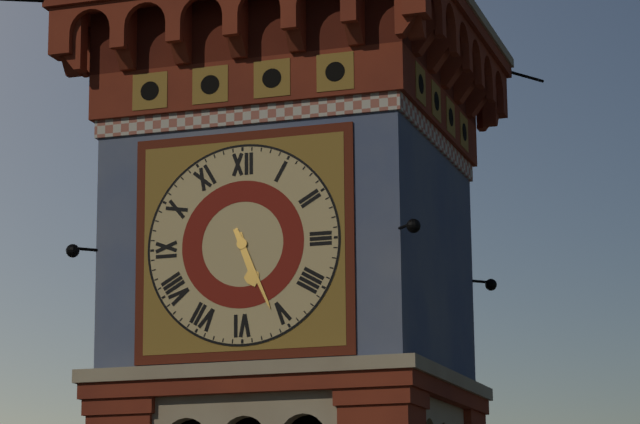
5:26
